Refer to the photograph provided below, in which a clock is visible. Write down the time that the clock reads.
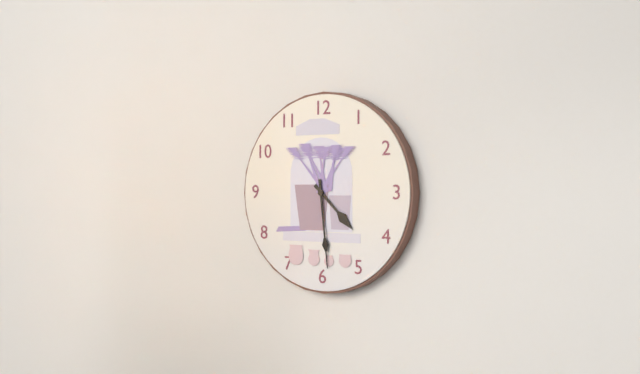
4:29
